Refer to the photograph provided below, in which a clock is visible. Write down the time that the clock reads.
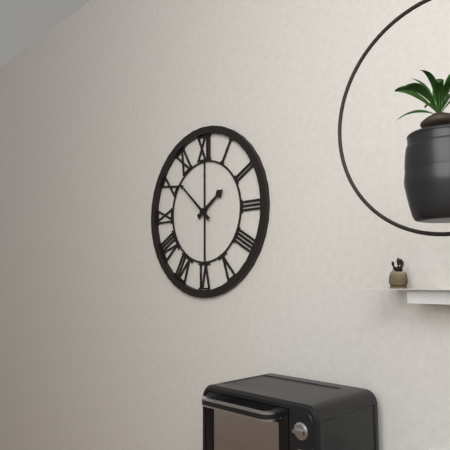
1:52
